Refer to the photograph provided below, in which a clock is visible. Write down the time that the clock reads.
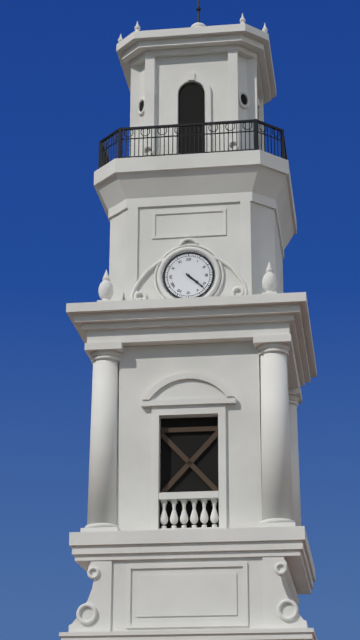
4:22
